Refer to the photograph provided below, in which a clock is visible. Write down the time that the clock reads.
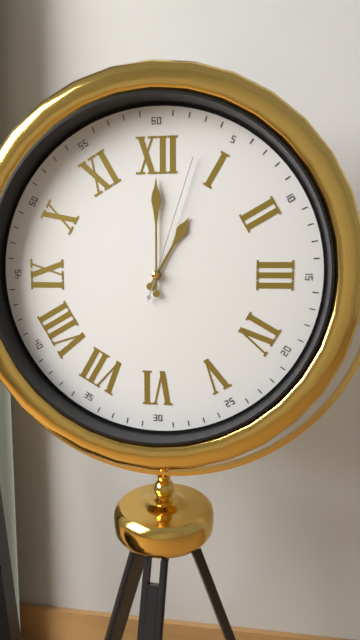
1:00:03
